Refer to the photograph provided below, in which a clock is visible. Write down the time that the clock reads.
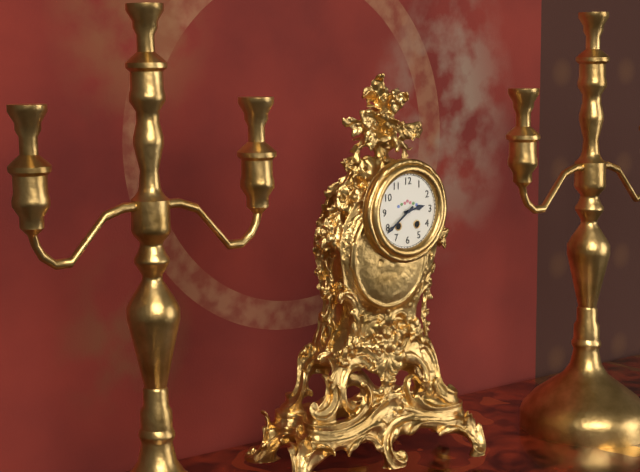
2:39
